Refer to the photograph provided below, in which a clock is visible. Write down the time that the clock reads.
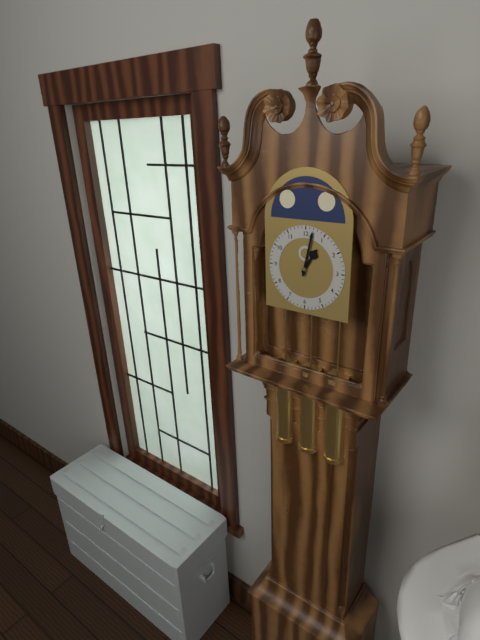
1:02
